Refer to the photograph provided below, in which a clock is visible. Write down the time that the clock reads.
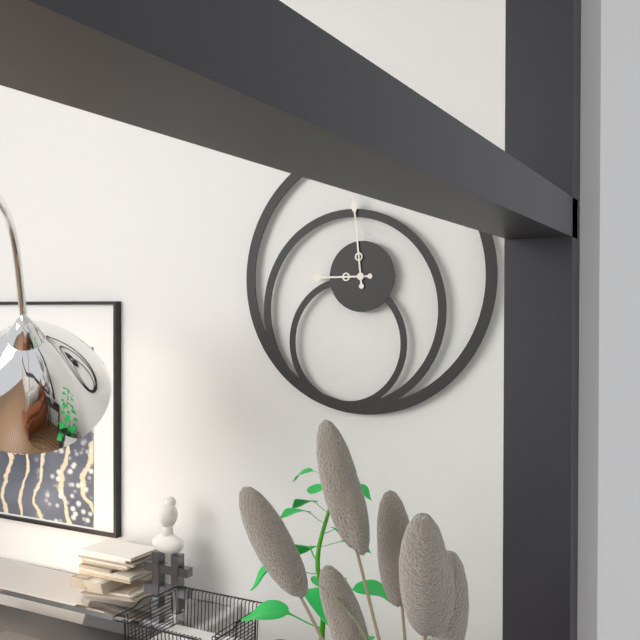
8:59
